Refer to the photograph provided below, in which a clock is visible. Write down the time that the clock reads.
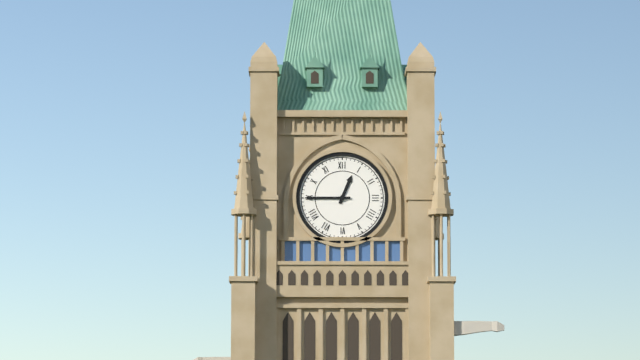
12:45
